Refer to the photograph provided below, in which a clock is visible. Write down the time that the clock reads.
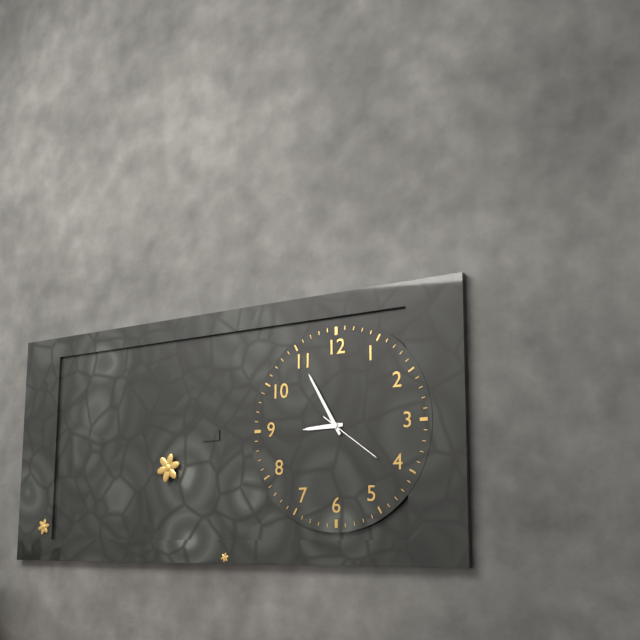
8:55:21
